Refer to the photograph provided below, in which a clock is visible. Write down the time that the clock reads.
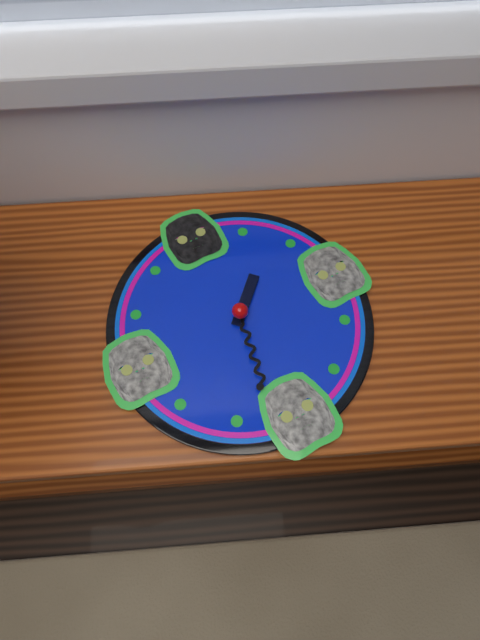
1:32
